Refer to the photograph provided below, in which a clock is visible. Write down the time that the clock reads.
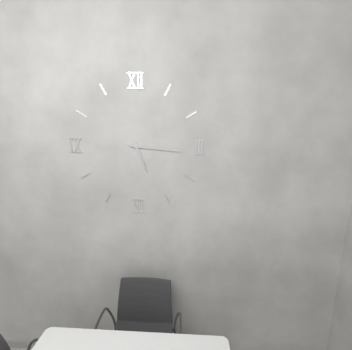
5:16
